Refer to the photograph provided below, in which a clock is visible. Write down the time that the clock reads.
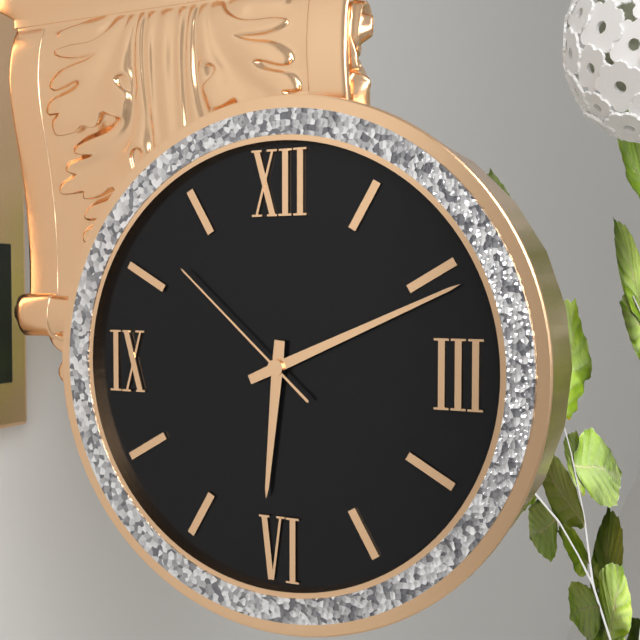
6:11:52
